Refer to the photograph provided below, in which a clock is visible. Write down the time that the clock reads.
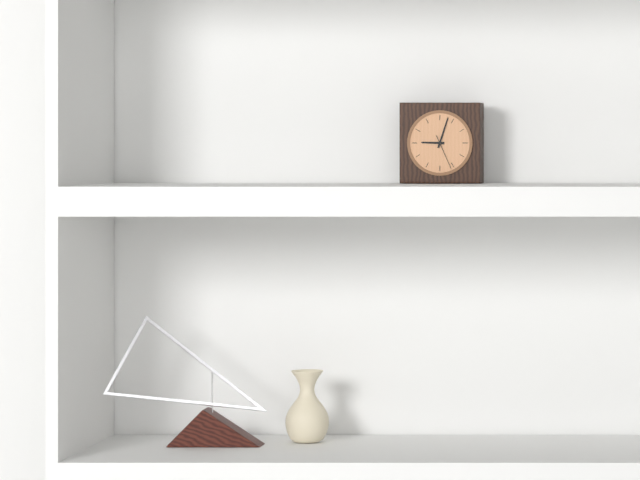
9:03
